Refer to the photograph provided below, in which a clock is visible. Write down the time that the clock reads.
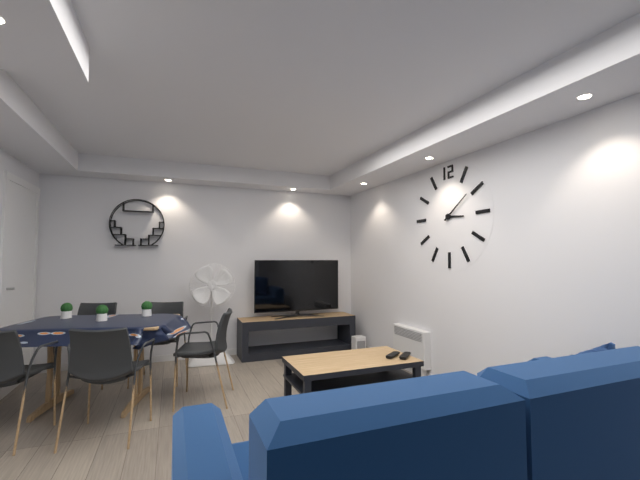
3:09
